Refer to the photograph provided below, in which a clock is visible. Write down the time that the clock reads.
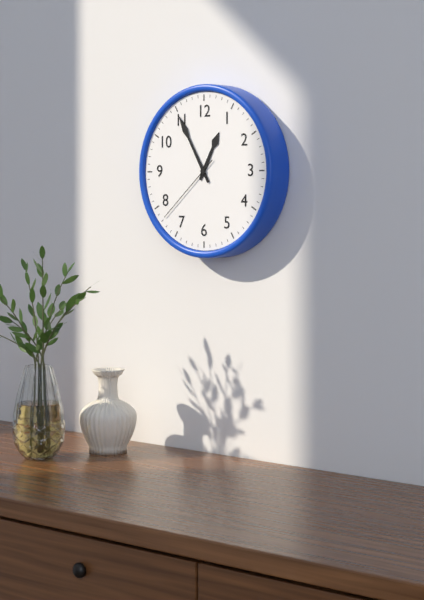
12:55:38
